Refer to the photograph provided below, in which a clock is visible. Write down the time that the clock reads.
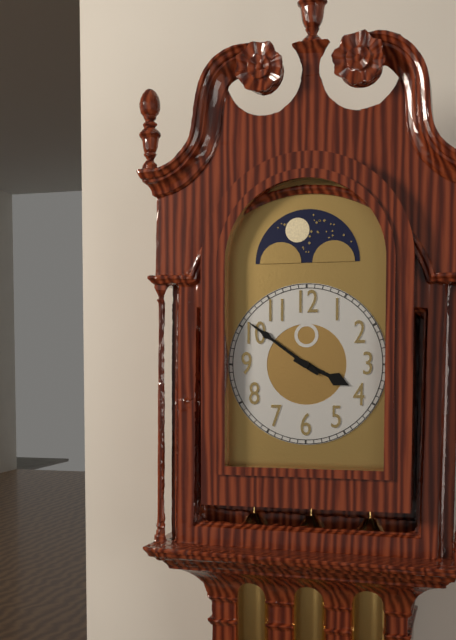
3:51
